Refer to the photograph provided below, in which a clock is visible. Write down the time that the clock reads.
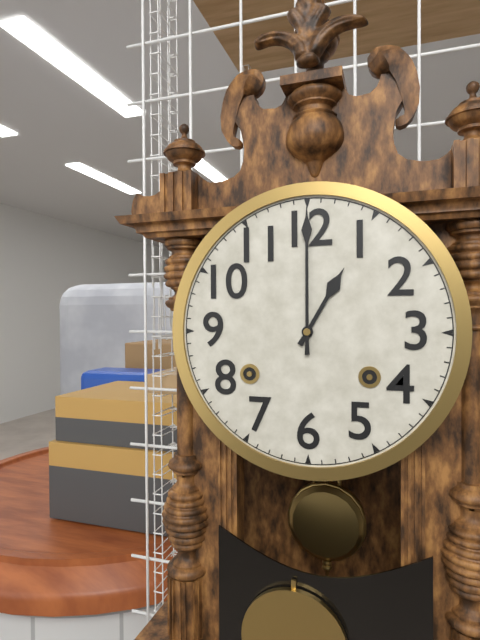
1:00
